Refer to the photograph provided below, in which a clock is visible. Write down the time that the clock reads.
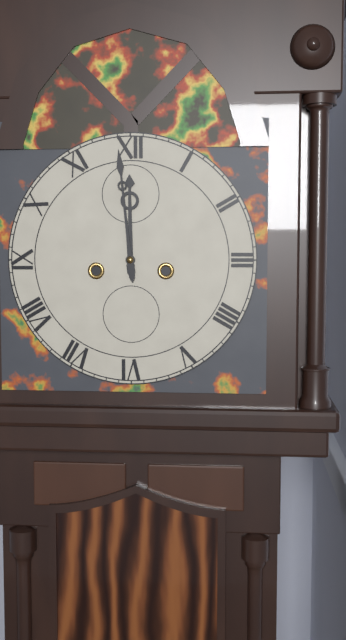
11:59
